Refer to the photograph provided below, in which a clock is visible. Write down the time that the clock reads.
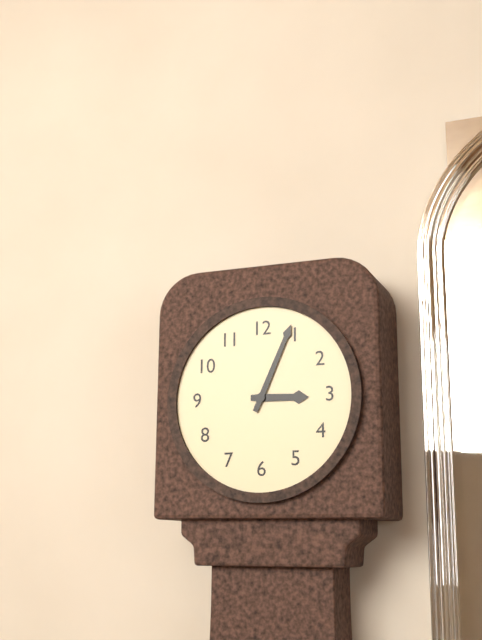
3:04
